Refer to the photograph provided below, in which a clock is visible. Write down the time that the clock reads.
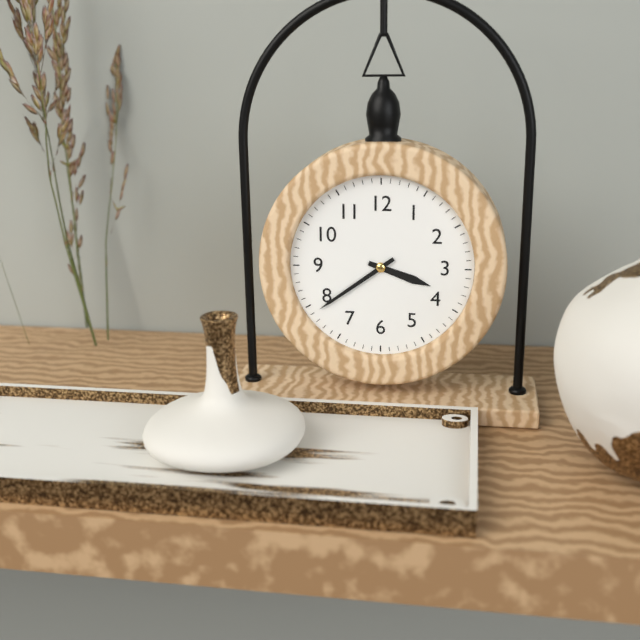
3:39
